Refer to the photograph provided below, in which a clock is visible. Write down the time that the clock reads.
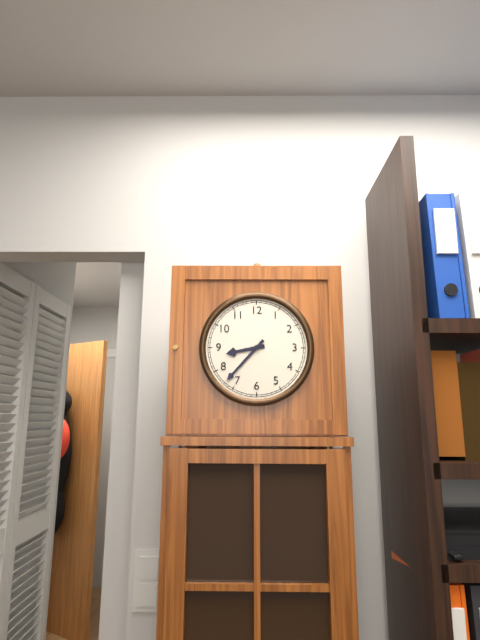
8:37
